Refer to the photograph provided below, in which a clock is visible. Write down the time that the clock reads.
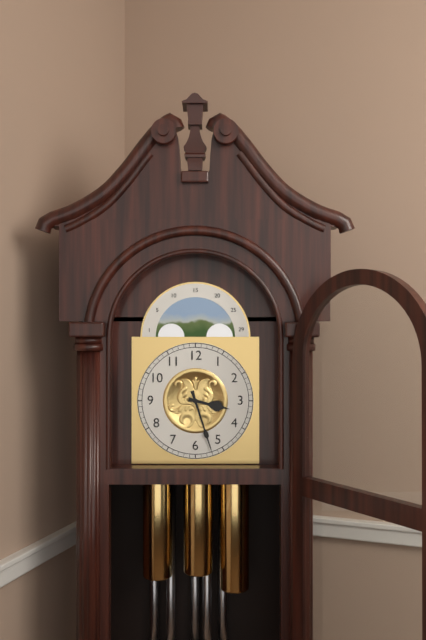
3:27
